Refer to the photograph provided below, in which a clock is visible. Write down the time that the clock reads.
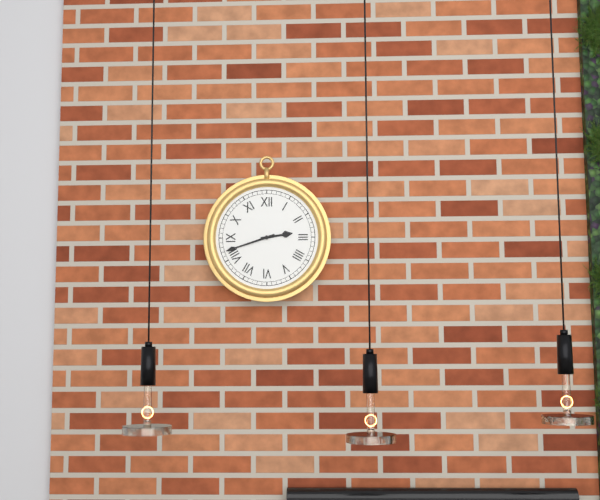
2:42
